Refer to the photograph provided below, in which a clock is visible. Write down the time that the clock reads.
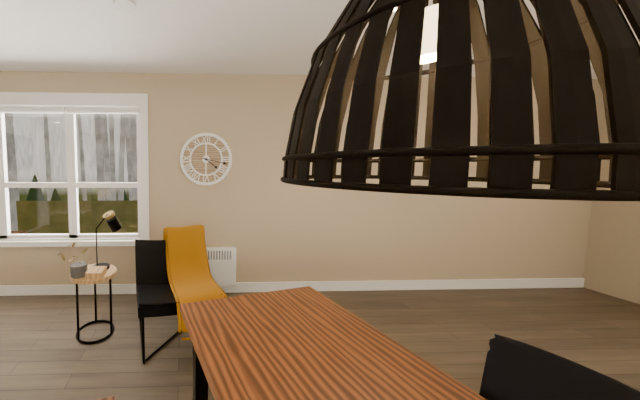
4:17
